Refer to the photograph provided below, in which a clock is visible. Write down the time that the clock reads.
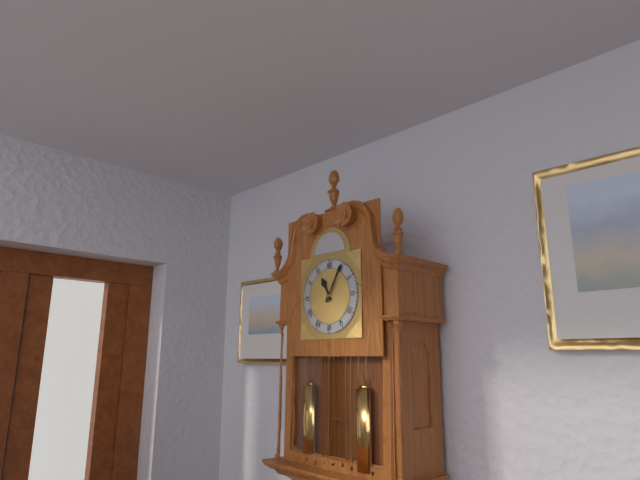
11:05
